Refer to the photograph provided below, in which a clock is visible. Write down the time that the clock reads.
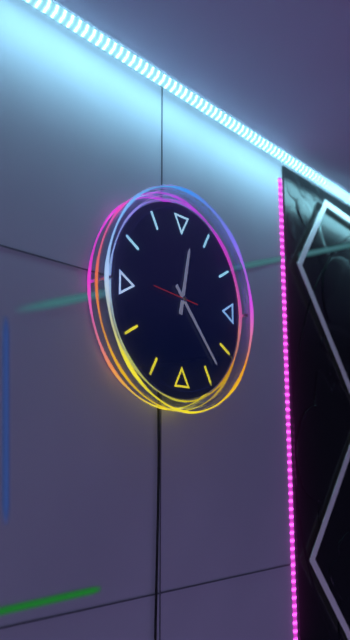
12:23
